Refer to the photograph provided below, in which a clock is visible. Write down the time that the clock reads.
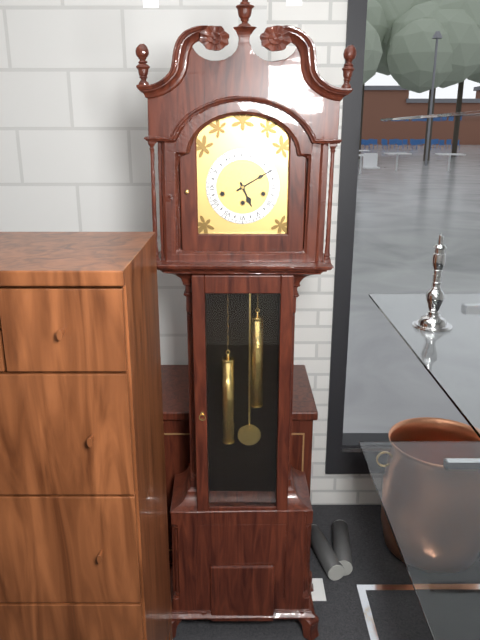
5:10
